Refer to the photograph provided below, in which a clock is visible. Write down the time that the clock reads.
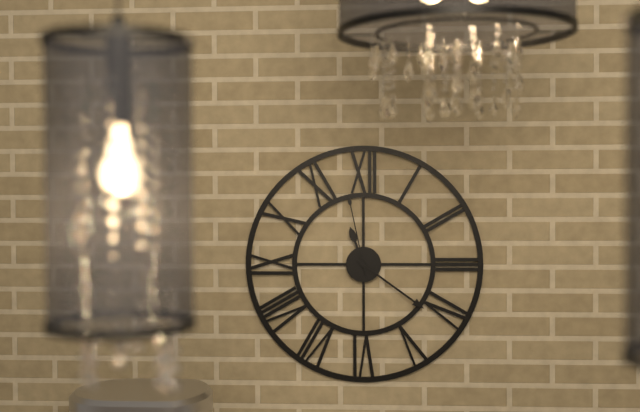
11:21:58
